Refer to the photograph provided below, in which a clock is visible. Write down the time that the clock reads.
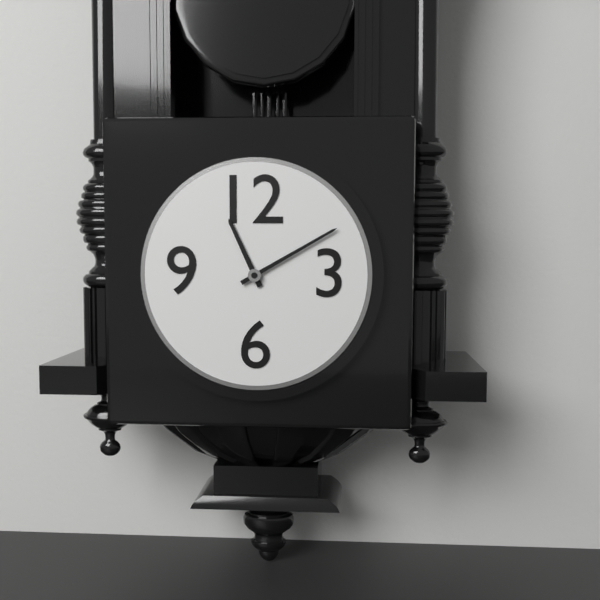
11:10
